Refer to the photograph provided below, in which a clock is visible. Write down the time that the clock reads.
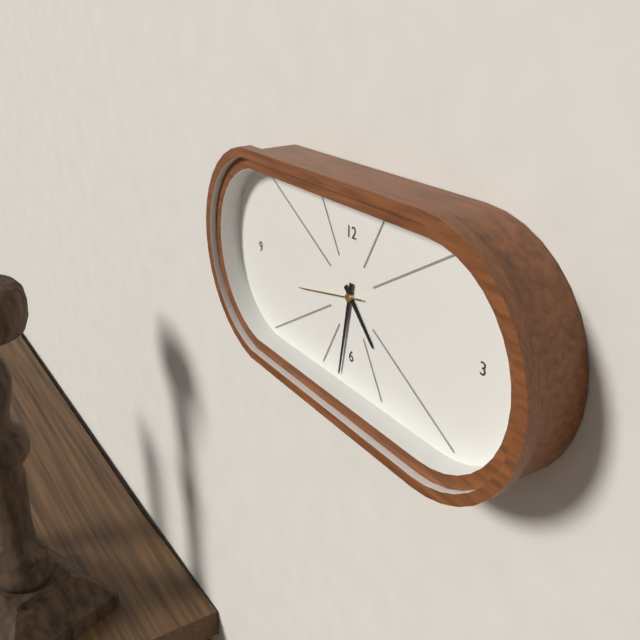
4:32:43
